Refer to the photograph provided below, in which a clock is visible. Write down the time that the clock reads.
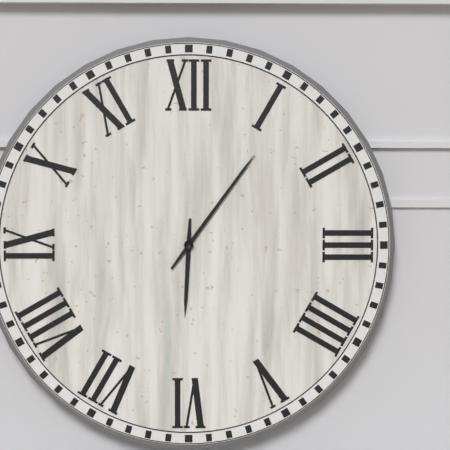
6:06
